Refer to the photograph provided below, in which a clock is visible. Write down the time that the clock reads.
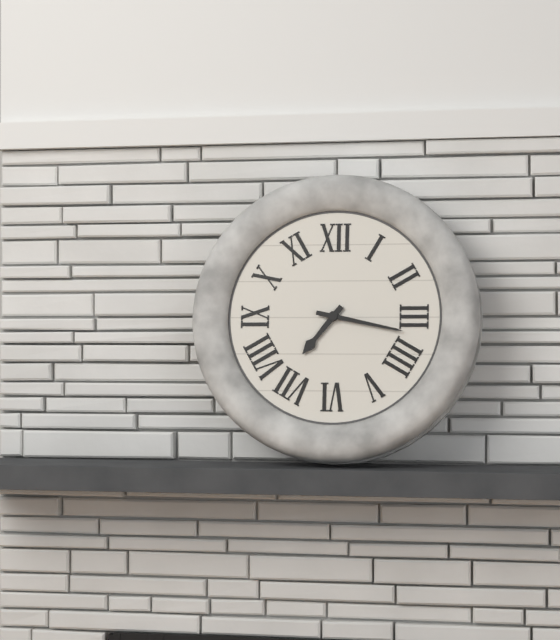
7:17
